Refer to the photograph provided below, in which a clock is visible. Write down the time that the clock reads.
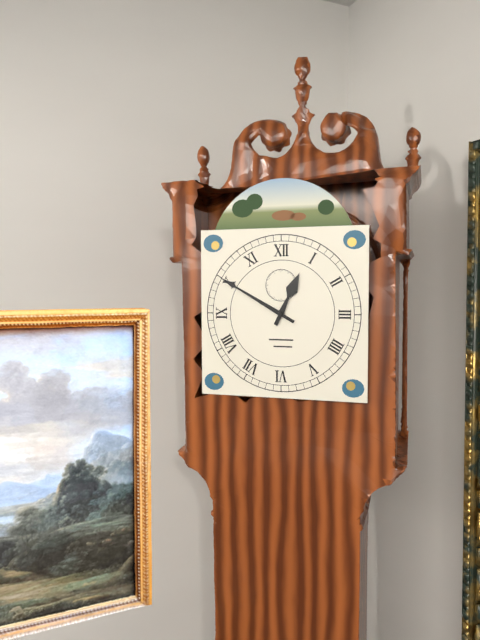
12:50
